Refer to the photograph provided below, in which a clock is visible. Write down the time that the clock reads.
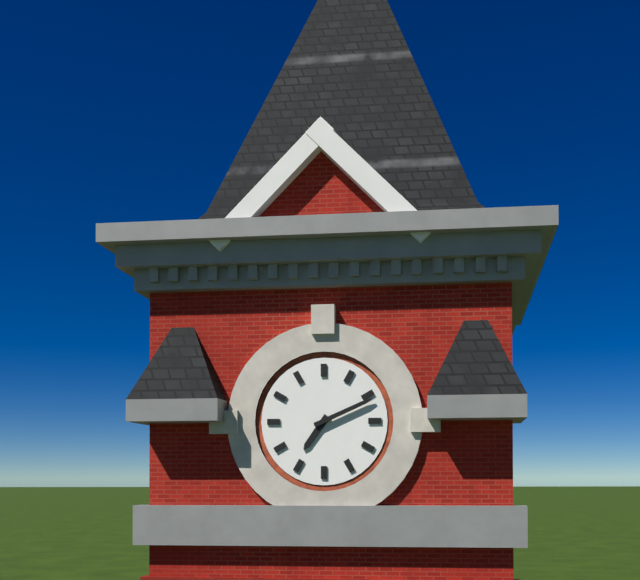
7:11
